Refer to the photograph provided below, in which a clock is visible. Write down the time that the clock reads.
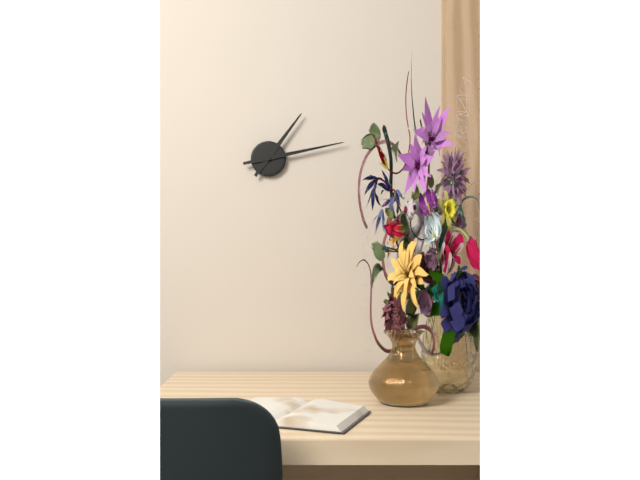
1:13
